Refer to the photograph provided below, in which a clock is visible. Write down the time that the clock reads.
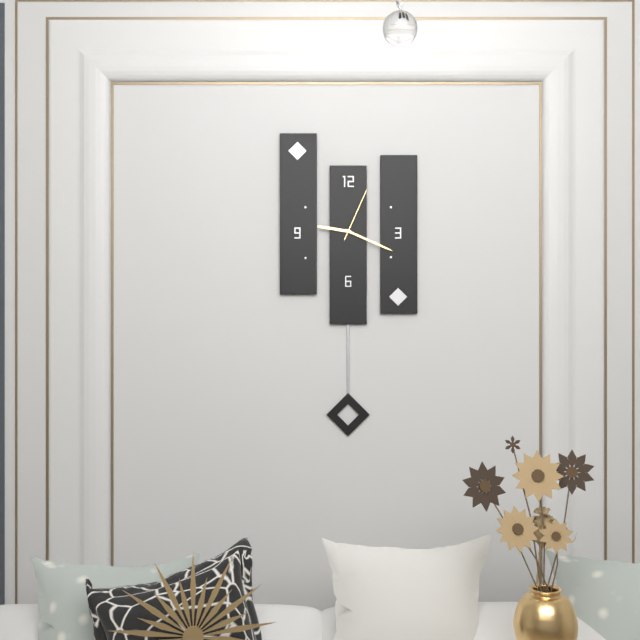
9:19:04
